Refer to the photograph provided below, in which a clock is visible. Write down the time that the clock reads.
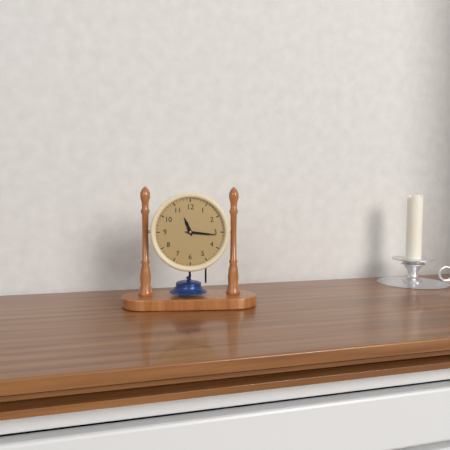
11:16
